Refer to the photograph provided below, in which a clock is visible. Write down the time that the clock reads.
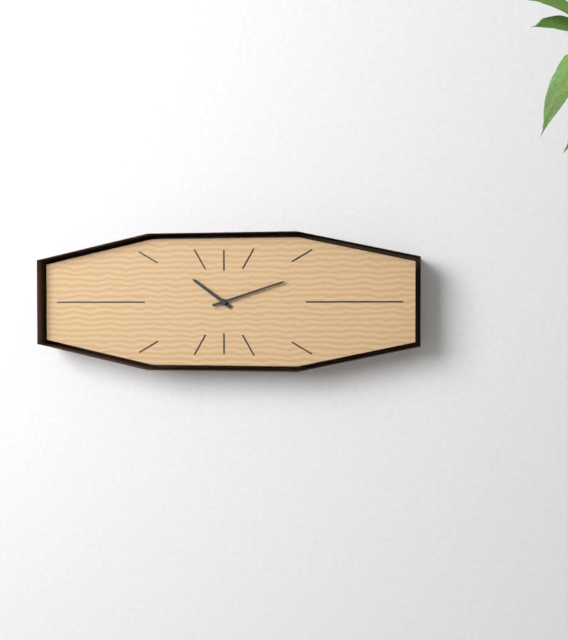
10:12
